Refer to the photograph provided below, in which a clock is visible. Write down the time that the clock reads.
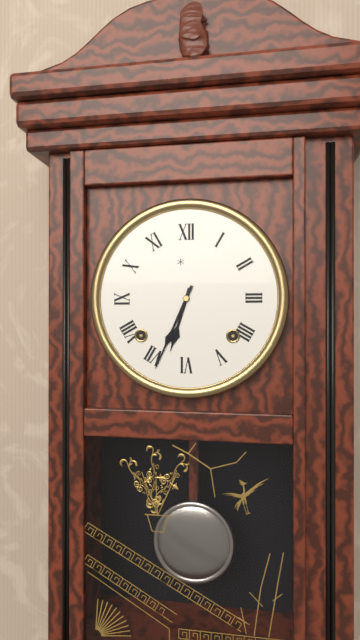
6:34
